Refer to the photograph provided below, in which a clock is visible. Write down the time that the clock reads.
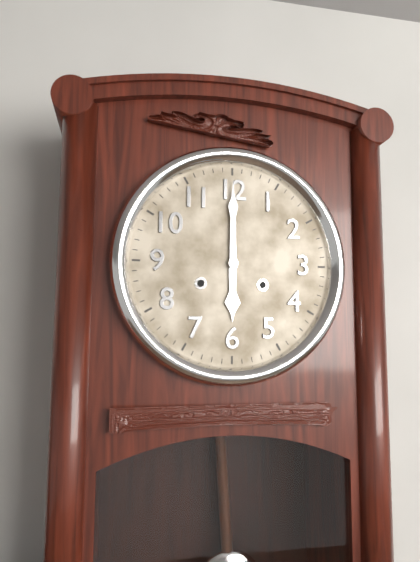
6:00
